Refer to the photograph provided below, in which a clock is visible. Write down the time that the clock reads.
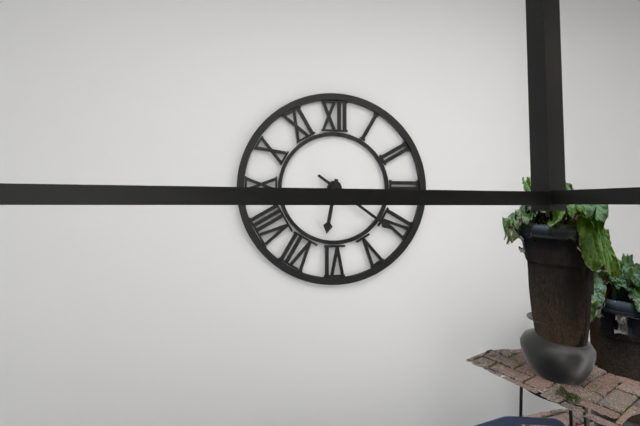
6:21
